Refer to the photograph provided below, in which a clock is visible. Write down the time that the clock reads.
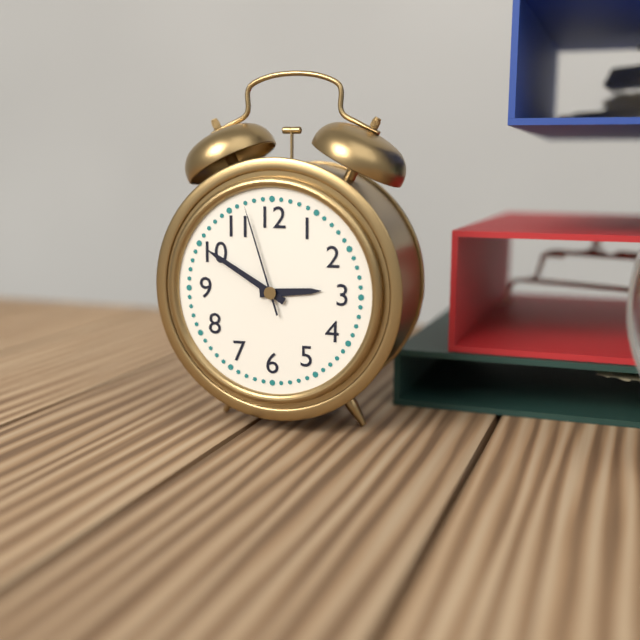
2:50:57
